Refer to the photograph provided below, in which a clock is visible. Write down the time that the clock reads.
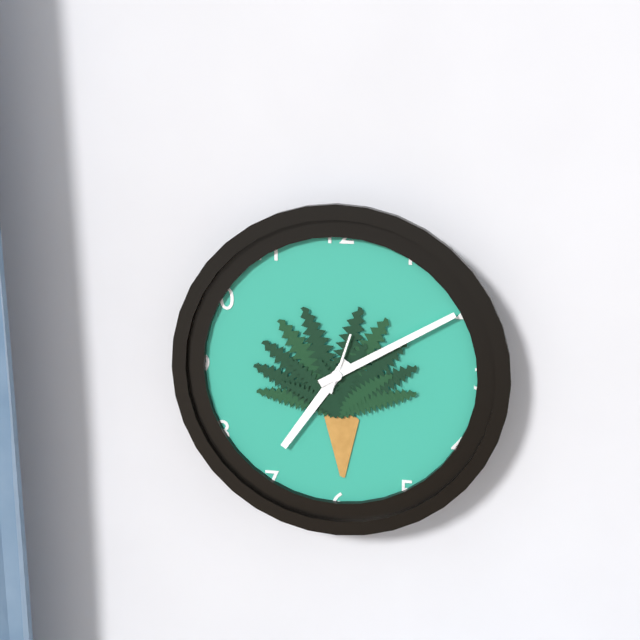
7:10:03
